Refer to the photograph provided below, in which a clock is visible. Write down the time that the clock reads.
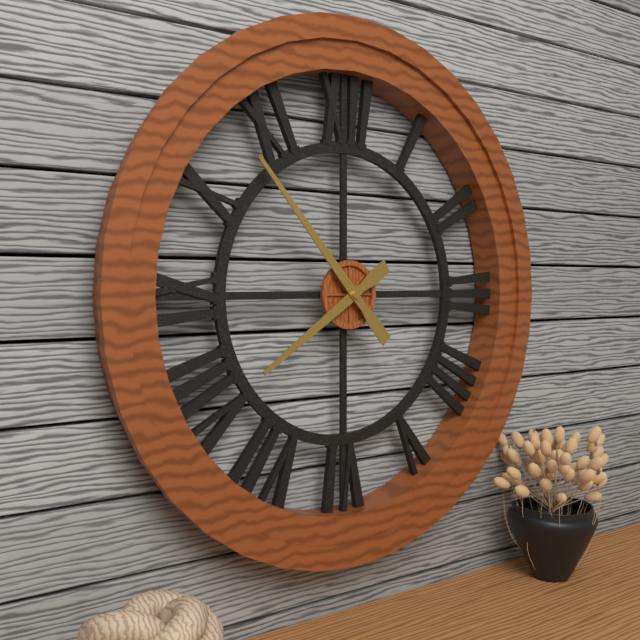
7:53
